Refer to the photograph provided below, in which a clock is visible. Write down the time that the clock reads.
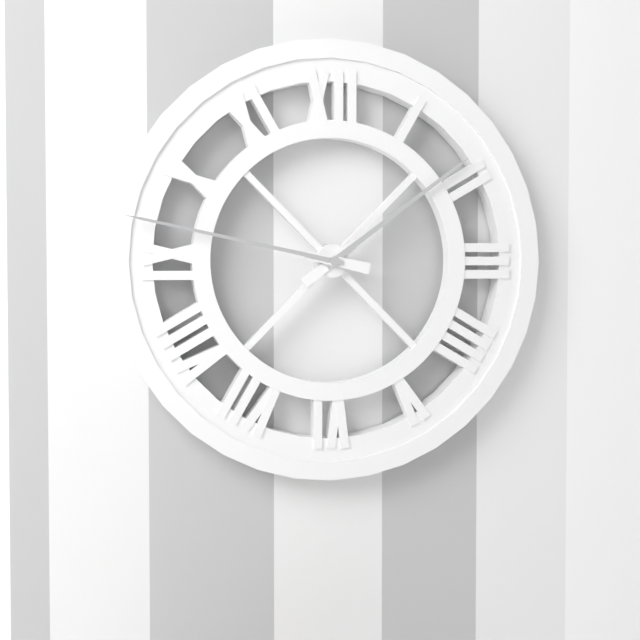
1:47
